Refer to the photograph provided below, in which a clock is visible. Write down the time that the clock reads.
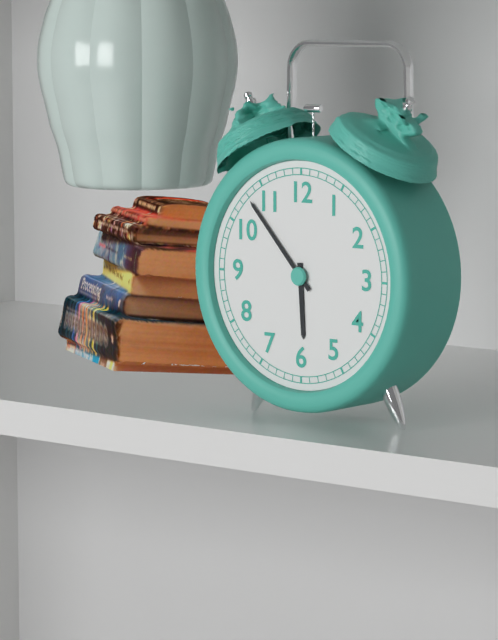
5:53
